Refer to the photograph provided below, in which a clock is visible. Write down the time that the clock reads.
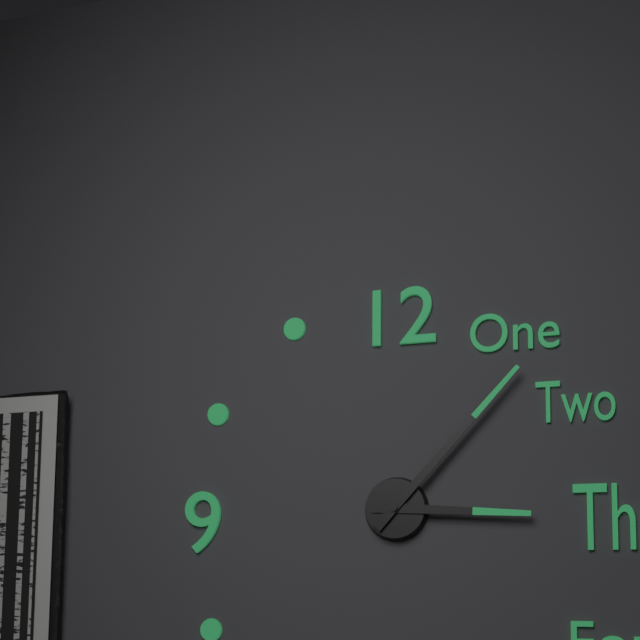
3:07
